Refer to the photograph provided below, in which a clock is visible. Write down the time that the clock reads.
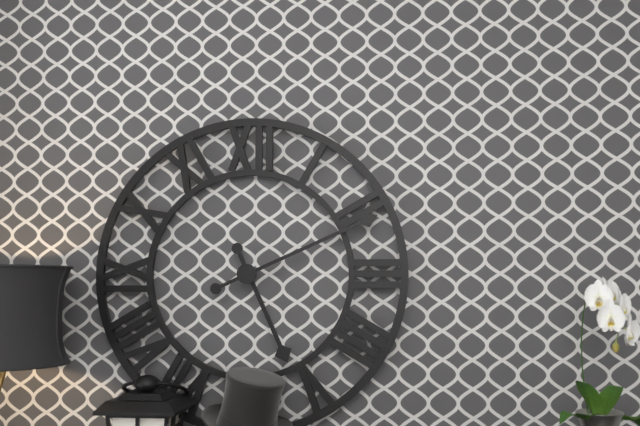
5:11
